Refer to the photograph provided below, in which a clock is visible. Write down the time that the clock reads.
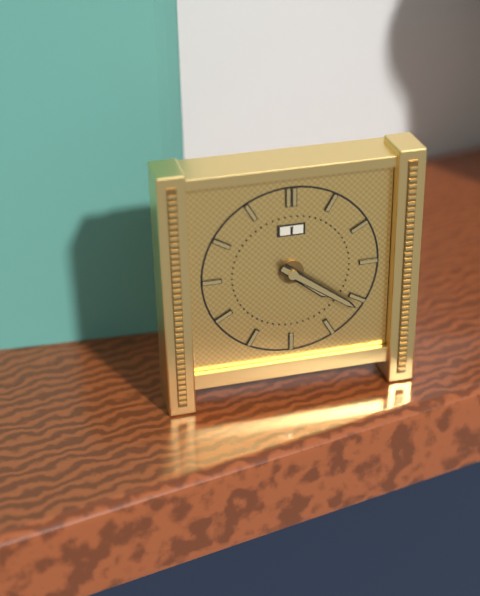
4:21
